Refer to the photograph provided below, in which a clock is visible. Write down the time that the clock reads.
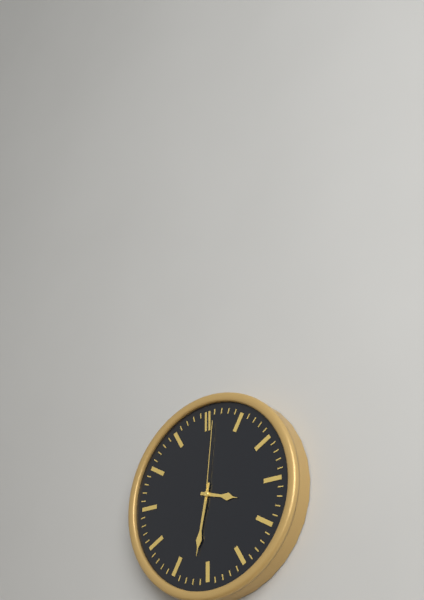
3:32:01
